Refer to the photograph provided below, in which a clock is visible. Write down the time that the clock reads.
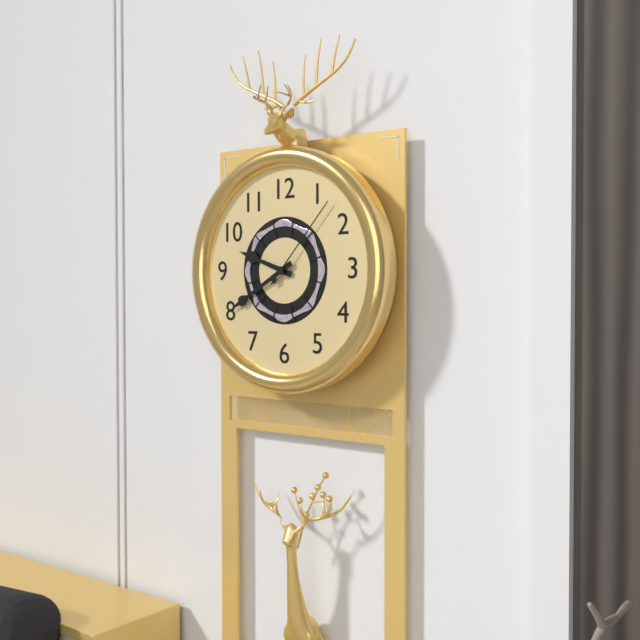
9:40:07
